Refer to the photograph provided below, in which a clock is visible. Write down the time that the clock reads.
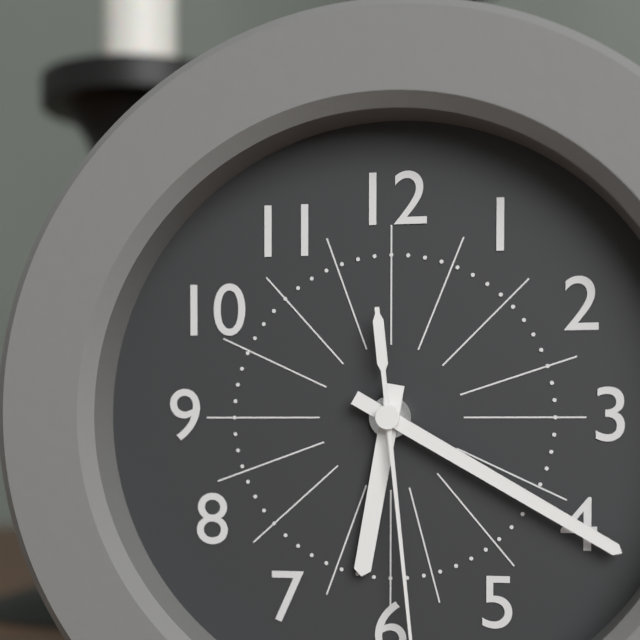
6:20
